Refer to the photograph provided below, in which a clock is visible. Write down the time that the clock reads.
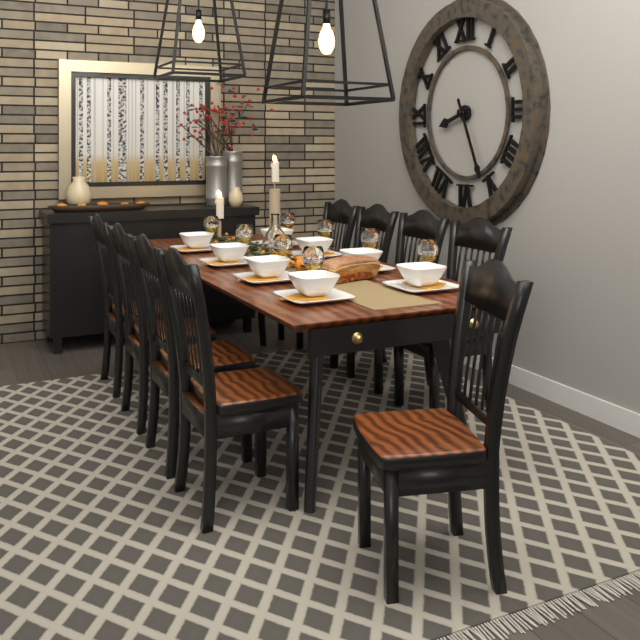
8:26
